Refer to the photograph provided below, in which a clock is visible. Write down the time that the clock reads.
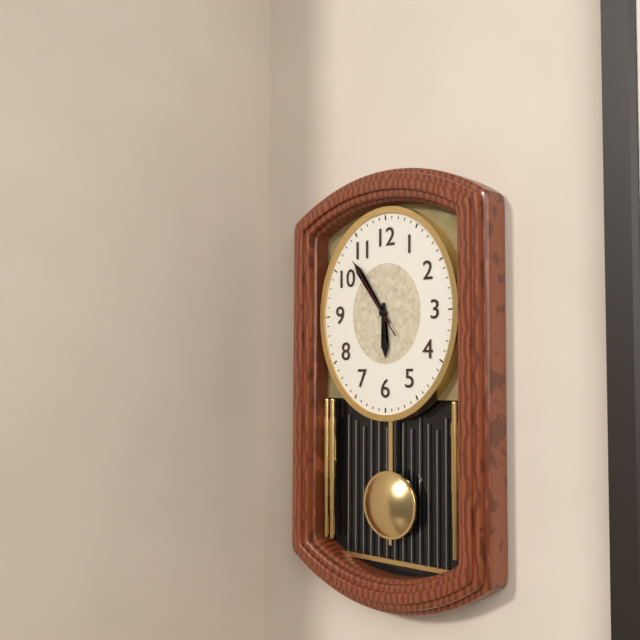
5:54:54
